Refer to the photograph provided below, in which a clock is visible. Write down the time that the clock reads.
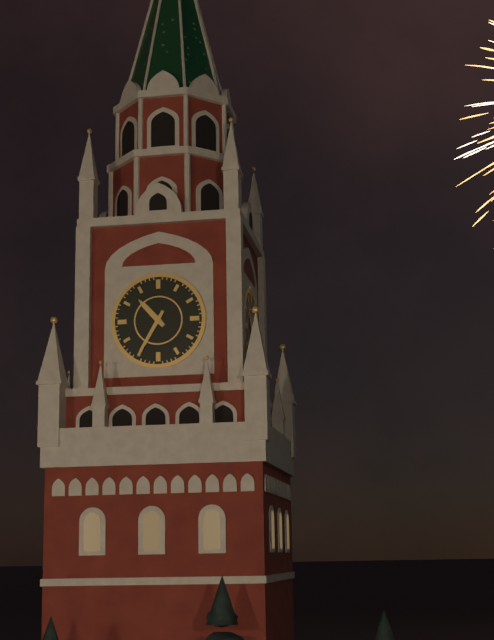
10:35
